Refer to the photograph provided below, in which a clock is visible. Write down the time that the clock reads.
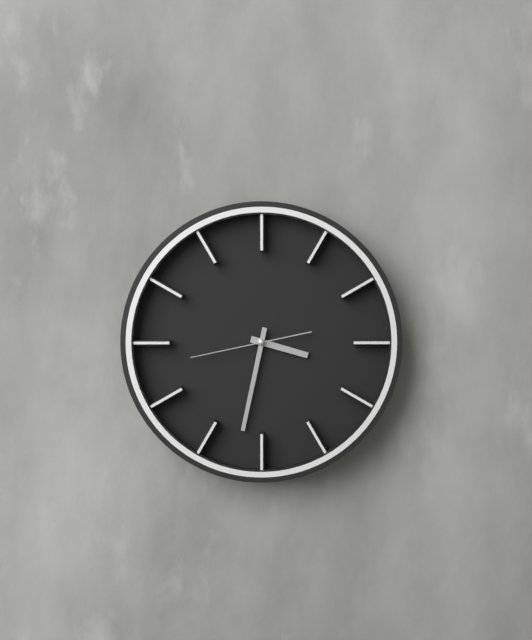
3:32:43
